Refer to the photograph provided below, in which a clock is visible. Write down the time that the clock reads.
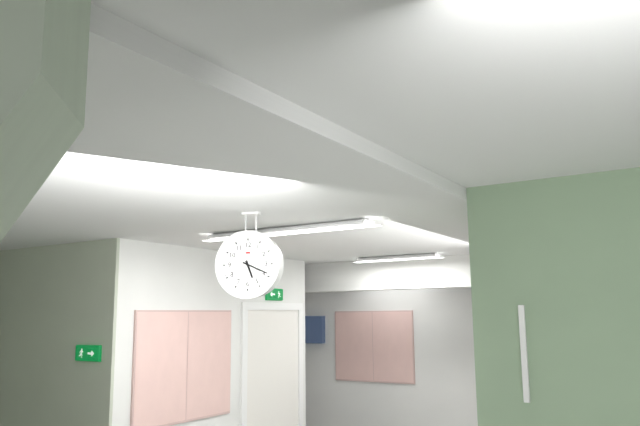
5:19
